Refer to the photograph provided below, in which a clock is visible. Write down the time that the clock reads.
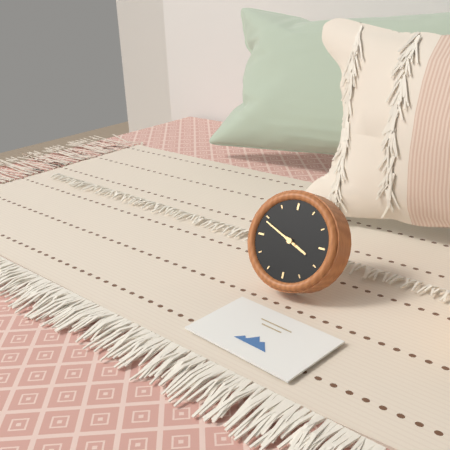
3:49
